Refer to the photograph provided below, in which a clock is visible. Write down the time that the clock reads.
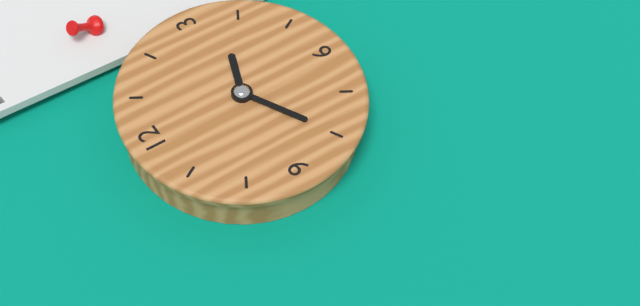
3:40
